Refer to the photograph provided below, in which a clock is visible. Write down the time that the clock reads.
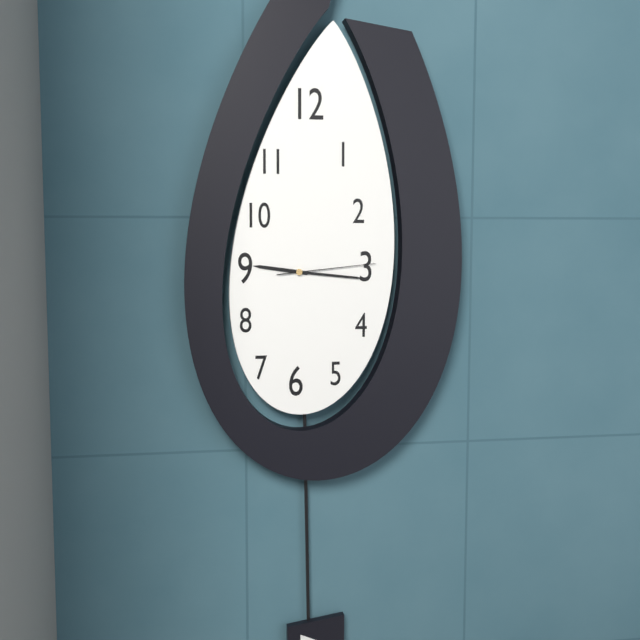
9:16:14
